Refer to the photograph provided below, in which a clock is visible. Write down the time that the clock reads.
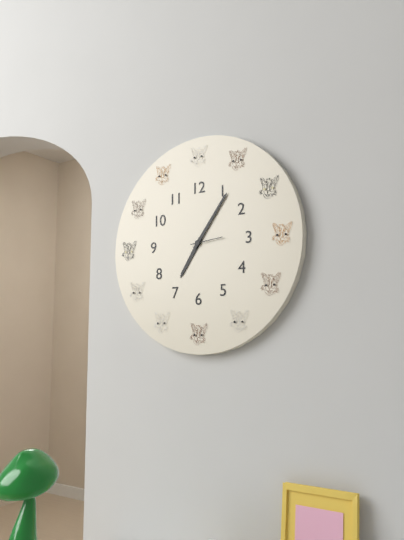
7:06
